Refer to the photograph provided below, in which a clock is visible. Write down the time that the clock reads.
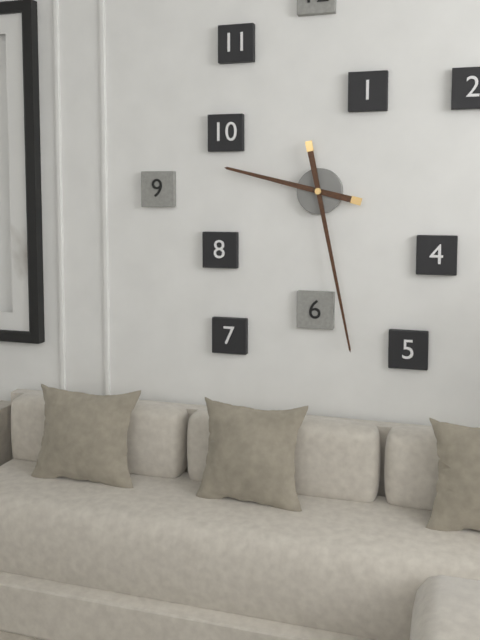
9:28
